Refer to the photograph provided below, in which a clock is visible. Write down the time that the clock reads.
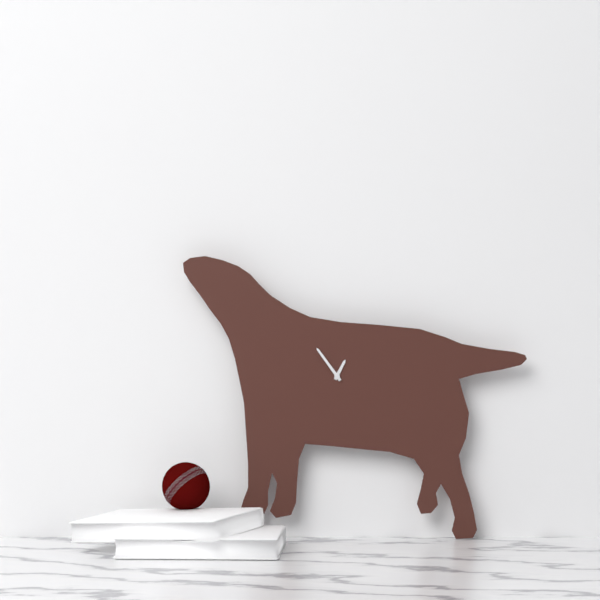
12:54
